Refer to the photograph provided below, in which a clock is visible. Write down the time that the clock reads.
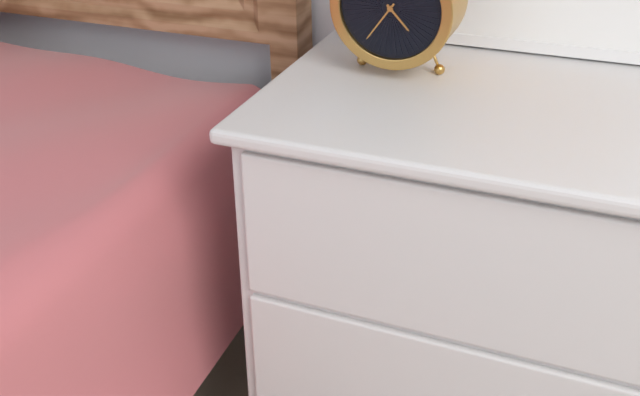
4:36
